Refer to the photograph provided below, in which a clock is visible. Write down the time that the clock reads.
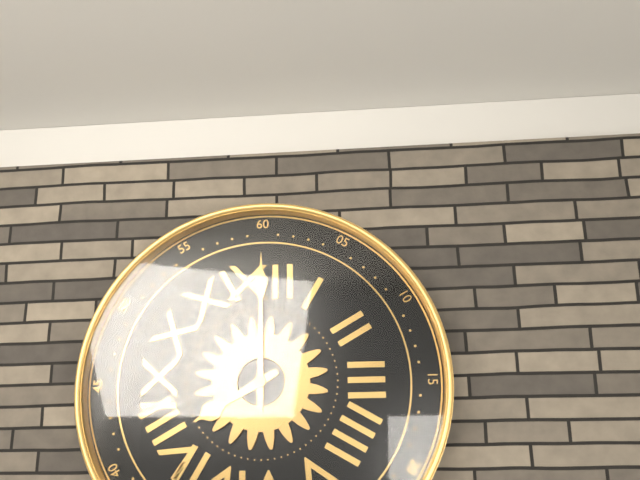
8:00
